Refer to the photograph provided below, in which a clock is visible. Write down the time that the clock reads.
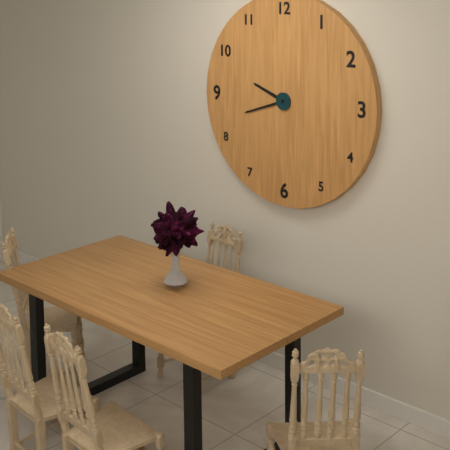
9:42
